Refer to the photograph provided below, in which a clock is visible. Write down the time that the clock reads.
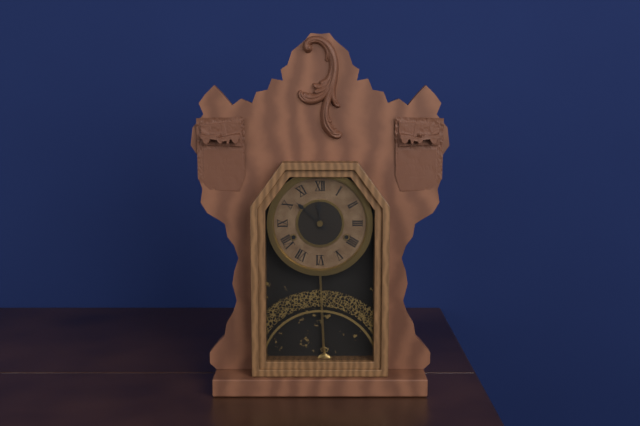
11:52
